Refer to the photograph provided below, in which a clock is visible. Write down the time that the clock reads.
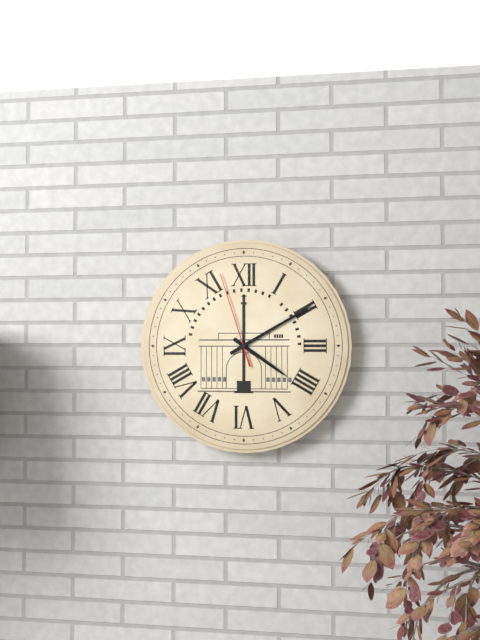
4:10:57
